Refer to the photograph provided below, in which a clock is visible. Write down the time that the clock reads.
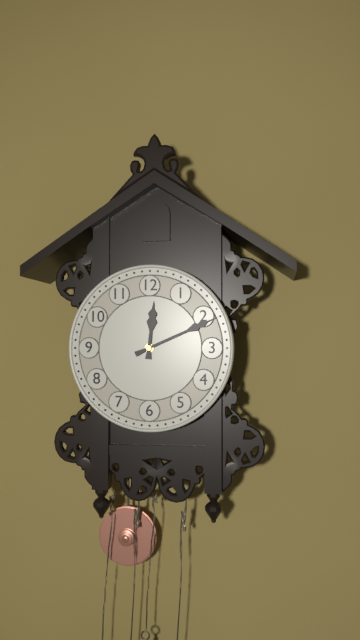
12:11
